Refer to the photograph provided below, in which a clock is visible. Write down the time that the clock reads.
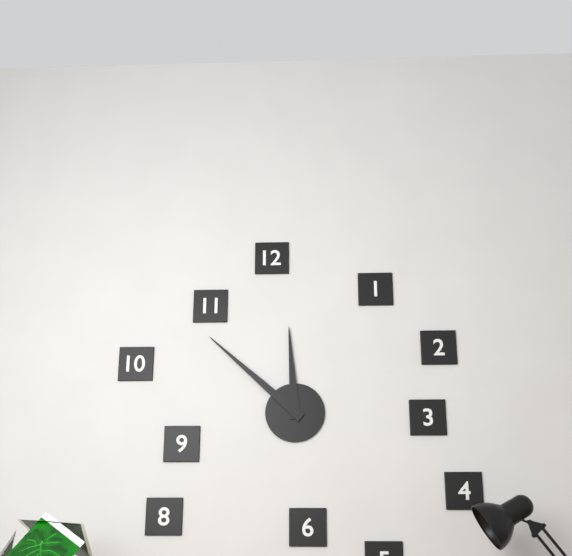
11:52
